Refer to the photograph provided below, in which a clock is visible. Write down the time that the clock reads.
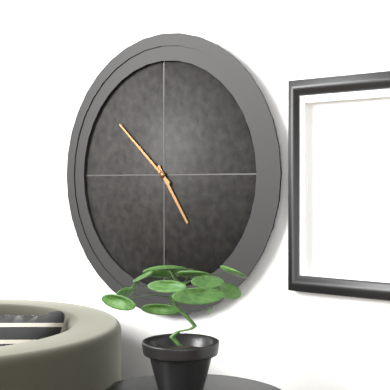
4:52
